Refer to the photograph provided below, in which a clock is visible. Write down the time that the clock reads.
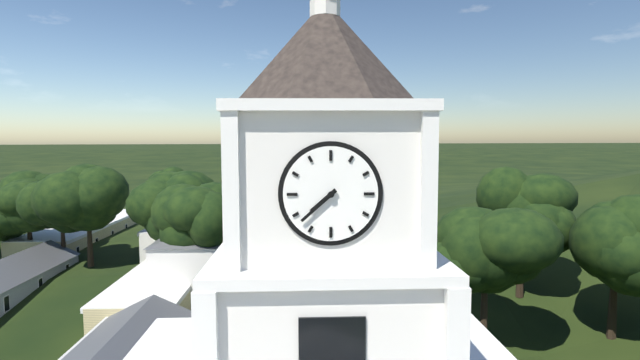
7:38
